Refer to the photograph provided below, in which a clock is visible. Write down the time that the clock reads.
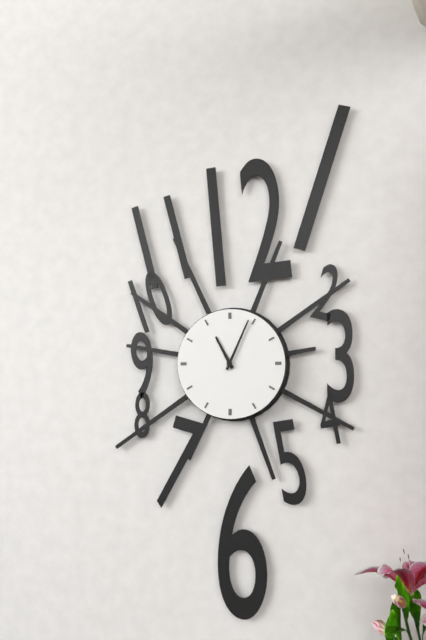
11:04
